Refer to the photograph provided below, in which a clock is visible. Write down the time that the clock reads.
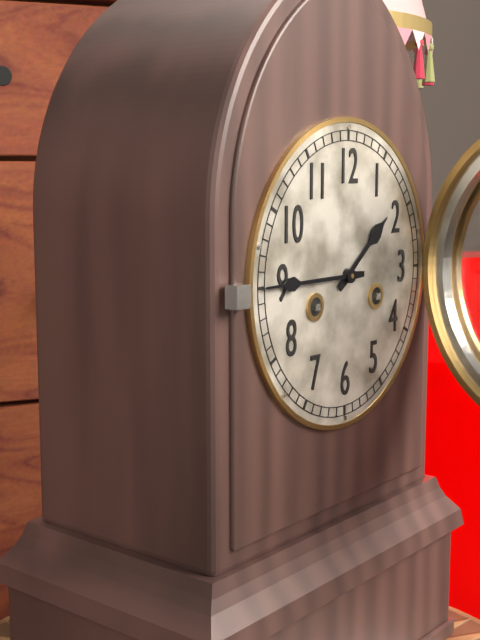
1:45
